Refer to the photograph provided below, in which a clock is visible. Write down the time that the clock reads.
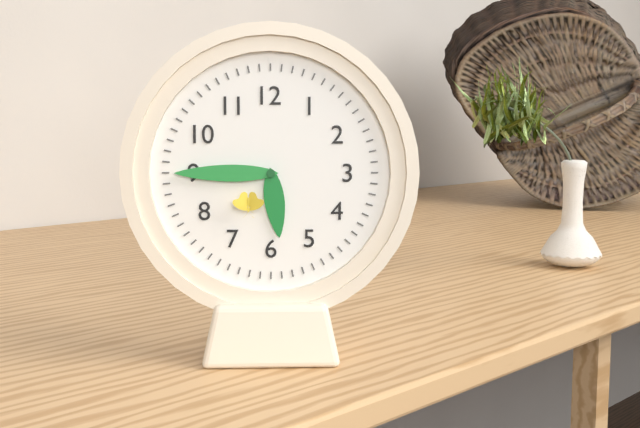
5:45
